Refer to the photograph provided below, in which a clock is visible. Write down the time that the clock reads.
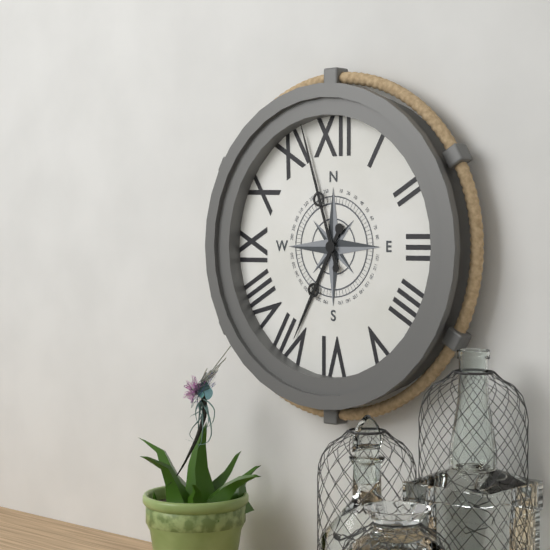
6:57
